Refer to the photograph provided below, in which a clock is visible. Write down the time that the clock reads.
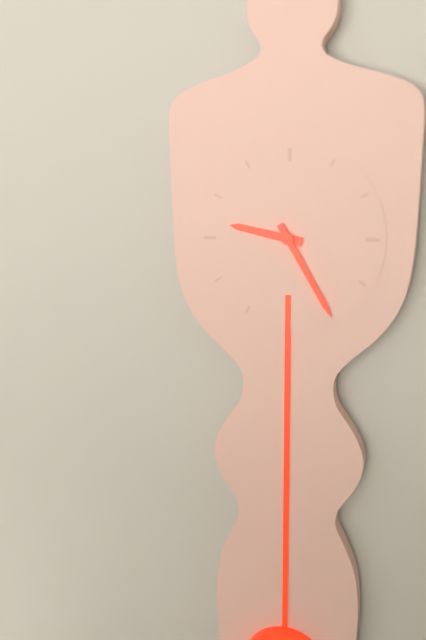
9:25
